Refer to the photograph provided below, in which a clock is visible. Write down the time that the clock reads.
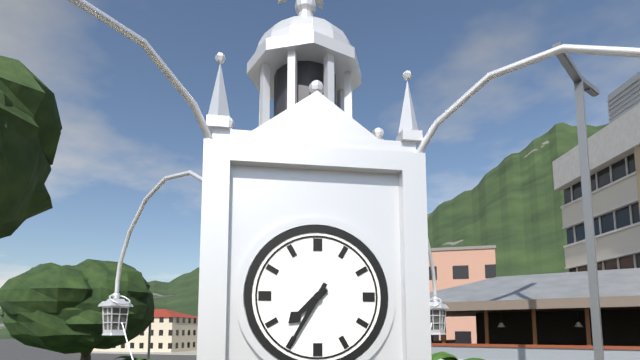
7:35
